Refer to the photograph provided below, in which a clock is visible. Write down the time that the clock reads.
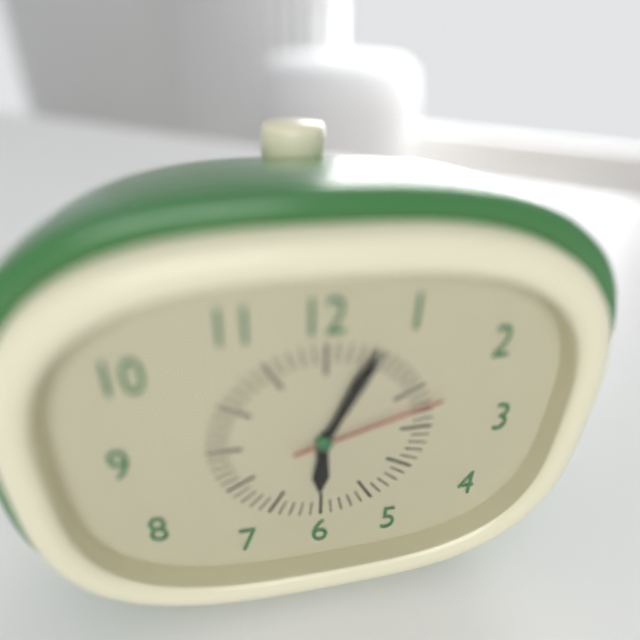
6:04:12
